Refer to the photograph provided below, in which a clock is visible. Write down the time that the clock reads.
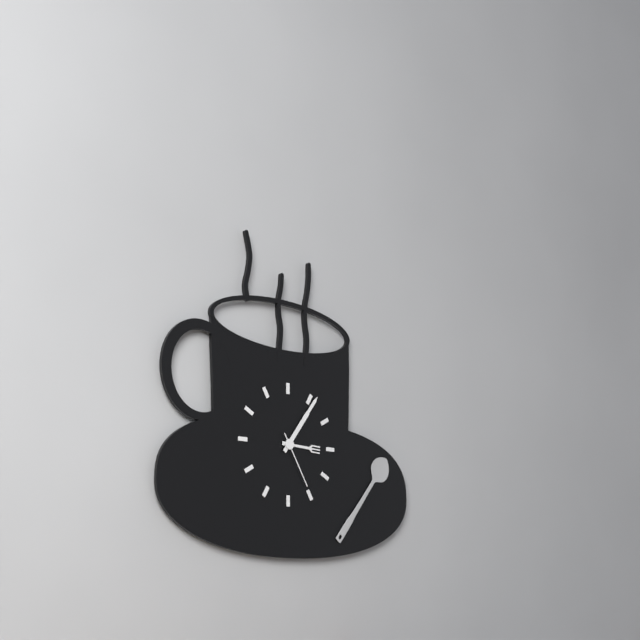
3:06:25
